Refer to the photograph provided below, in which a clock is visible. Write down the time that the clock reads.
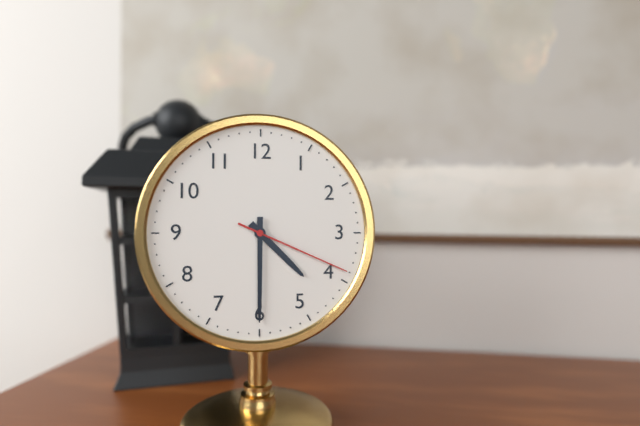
4:30:19
